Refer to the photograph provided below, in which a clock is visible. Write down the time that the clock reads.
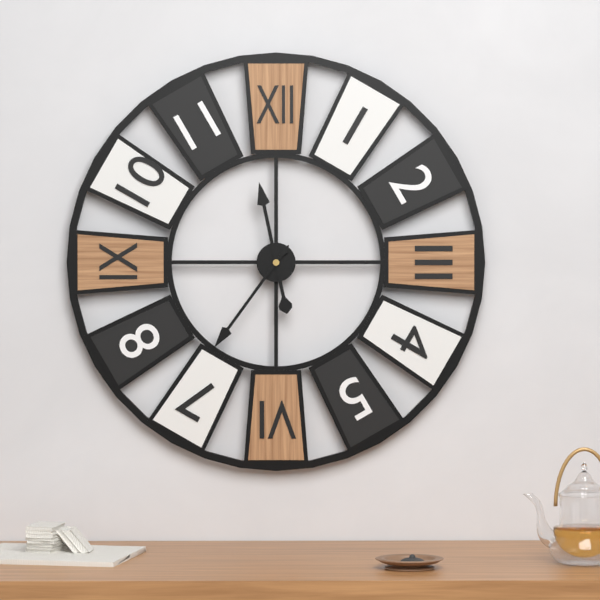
11:36
